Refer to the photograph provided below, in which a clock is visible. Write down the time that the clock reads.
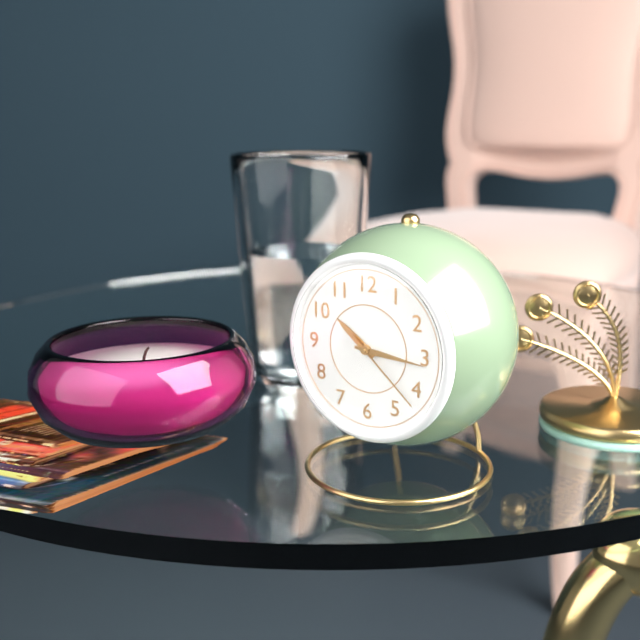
10:16:22
